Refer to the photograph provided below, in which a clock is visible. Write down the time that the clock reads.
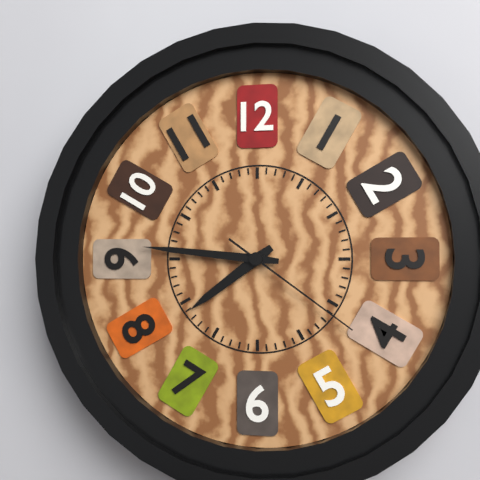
7:46:21
